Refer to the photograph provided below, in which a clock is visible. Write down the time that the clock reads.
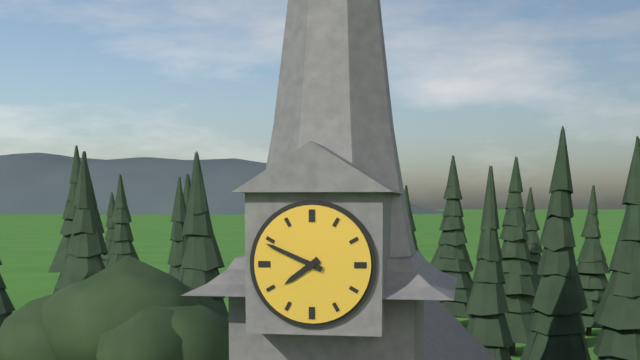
7:49
